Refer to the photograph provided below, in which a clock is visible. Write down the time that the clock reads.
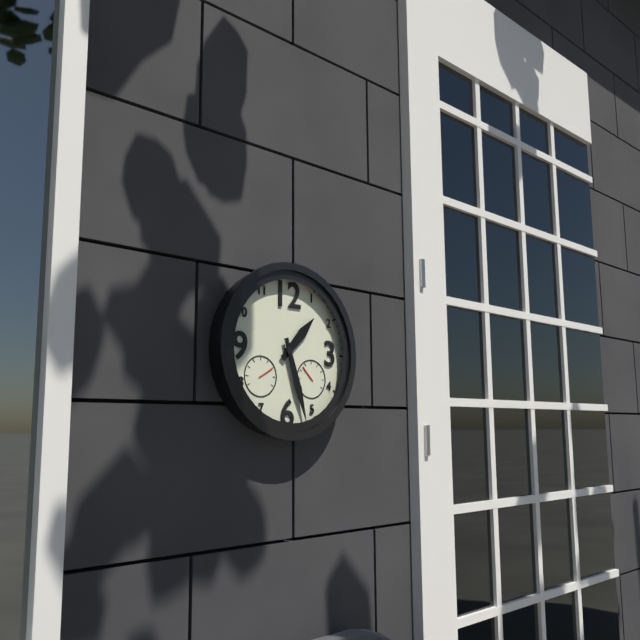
1:27
